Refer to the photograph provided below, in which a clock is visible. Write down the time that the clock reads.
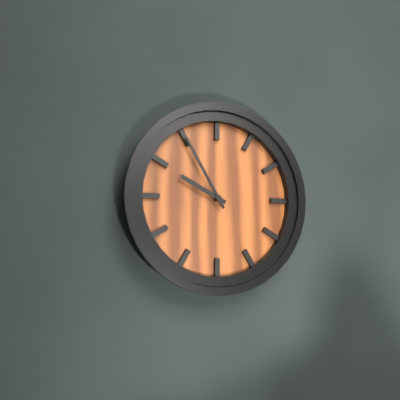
9:55
